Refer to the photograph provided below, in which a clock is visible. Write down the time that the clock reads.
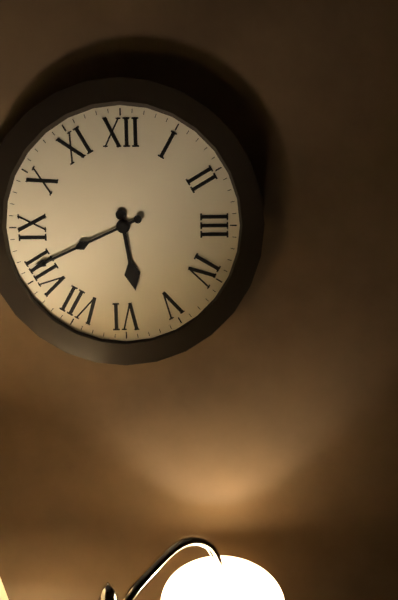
5:41
